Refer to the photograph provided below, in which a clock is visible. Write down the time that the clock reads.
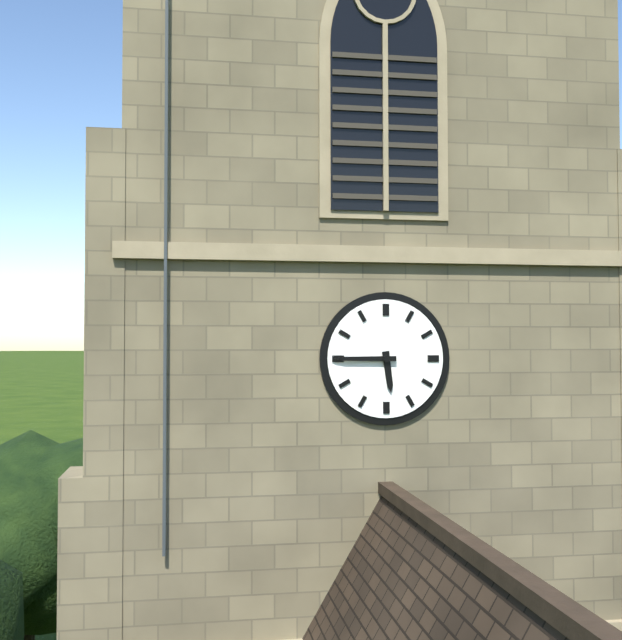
5:45
